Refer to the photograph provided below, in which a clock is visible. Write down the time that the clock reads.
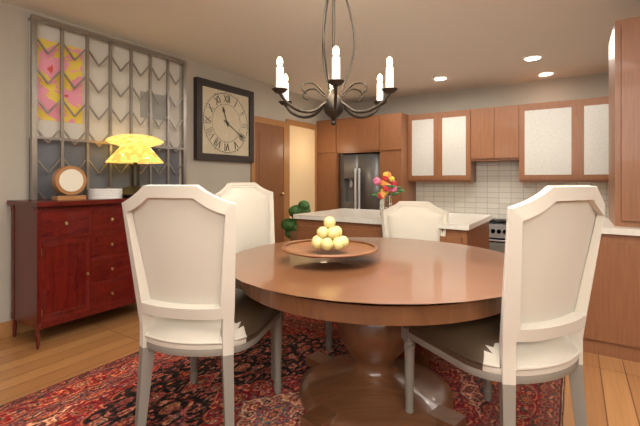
11:20
